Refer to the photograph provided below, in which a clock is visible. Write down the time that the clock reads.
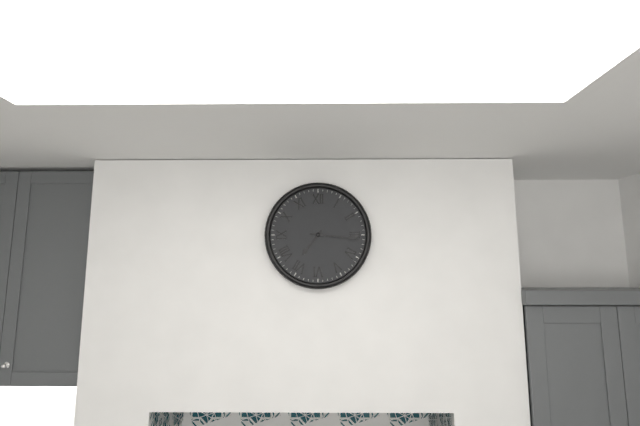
7:16
